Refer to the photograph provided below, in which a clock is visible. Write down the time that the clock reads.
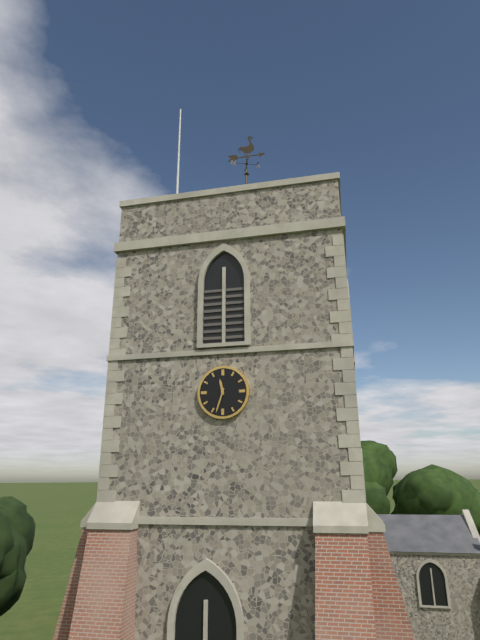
11:33
